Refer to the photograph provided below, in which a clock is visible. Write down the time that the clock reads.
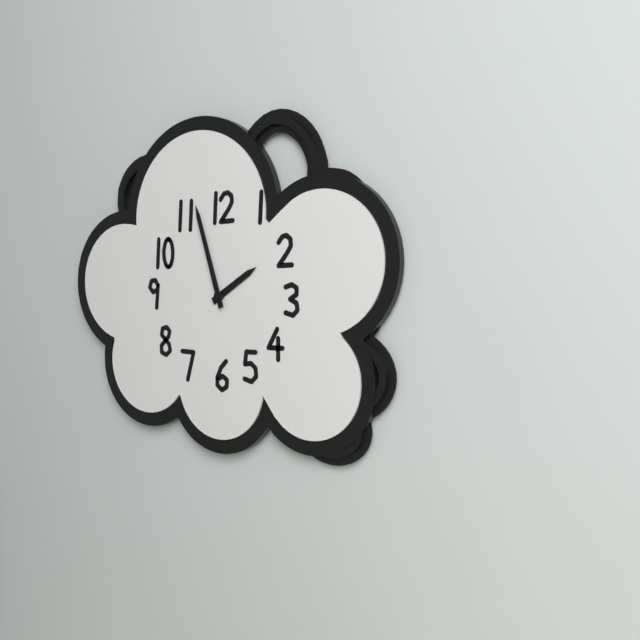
1:57
